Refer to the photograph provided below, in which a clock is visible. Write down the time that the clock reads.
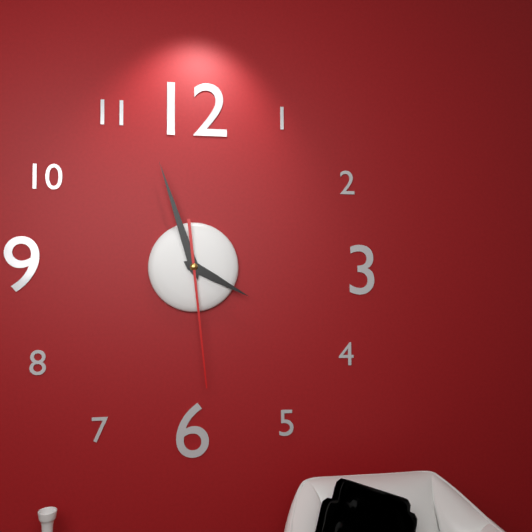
3:57:29
